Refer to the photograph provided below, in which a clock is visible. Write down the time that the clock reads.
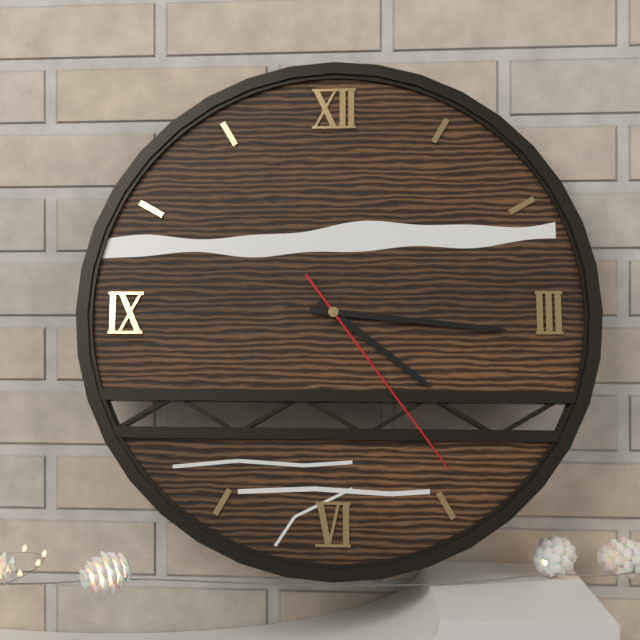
4:16:24
